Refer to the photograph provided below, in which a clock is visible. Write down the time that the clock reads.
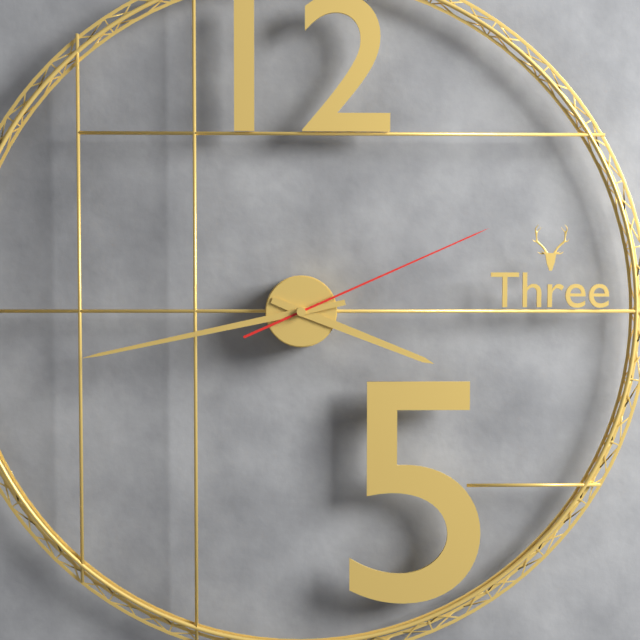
3:43:11
